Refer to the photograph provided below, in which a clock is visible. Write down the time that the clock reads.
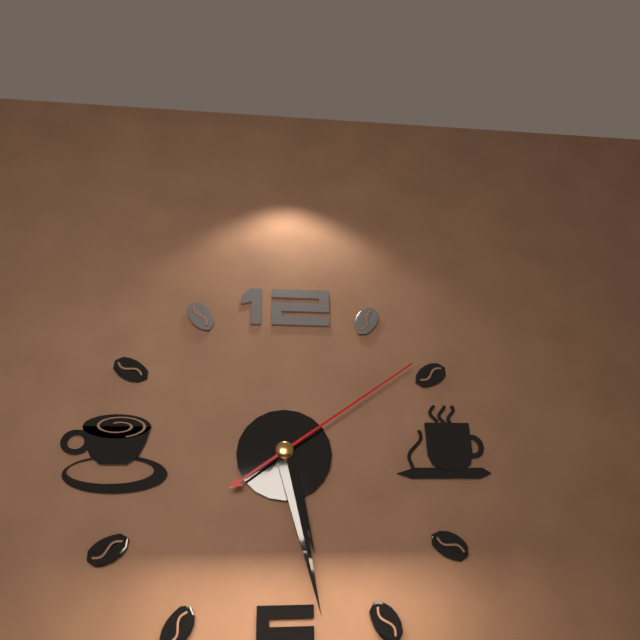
5:28:09
